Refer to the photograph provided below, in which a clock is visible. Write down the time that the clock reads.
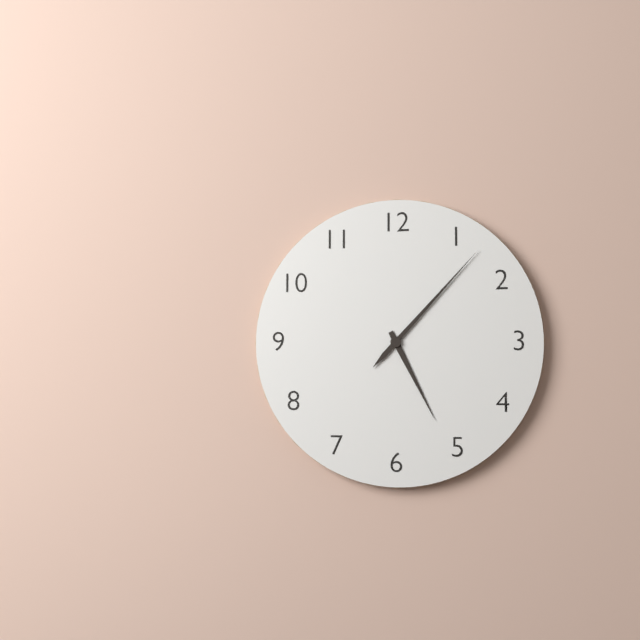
5:07
